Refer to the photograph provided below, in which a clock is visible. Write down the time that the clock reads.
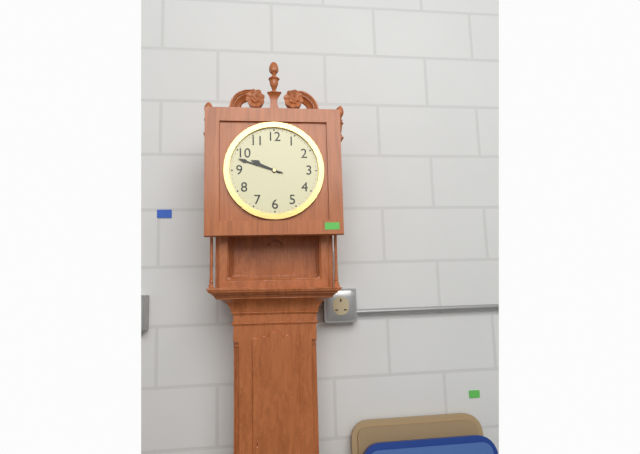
9:48
